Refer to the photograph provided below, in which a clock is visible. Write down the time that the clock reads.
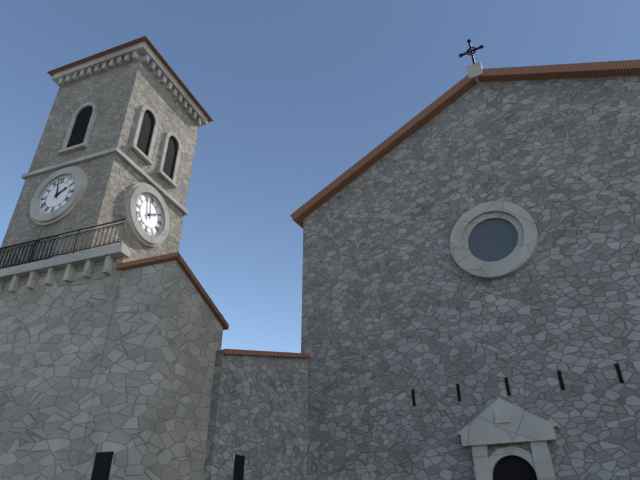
1:58
